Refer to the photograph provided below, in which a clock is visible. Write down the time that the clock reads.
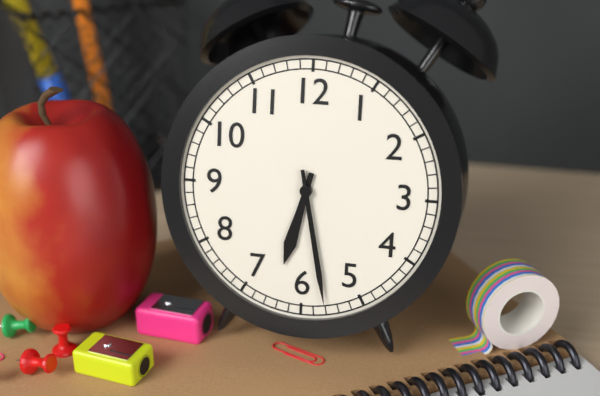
6:28
